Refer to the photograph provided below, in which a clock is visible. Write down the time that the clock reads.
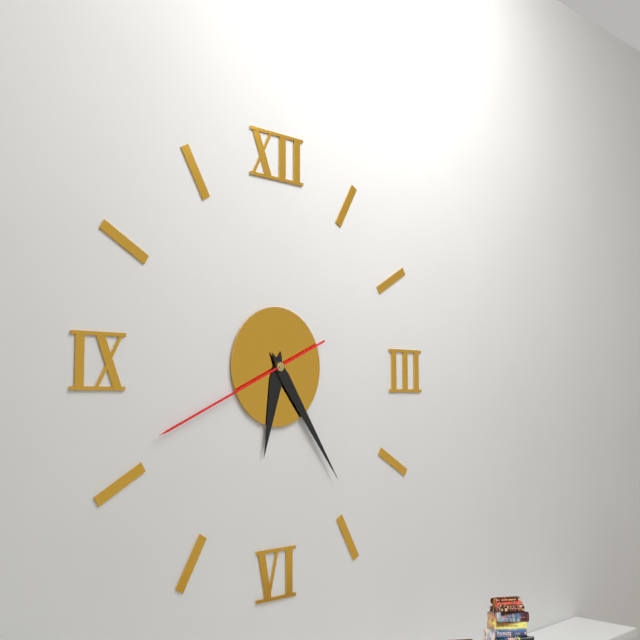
6:24:41
